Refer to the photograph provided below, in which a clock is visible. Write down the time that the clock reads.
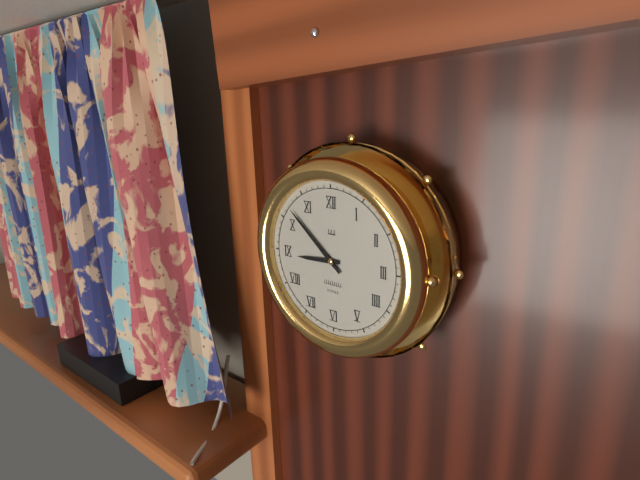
8:52
